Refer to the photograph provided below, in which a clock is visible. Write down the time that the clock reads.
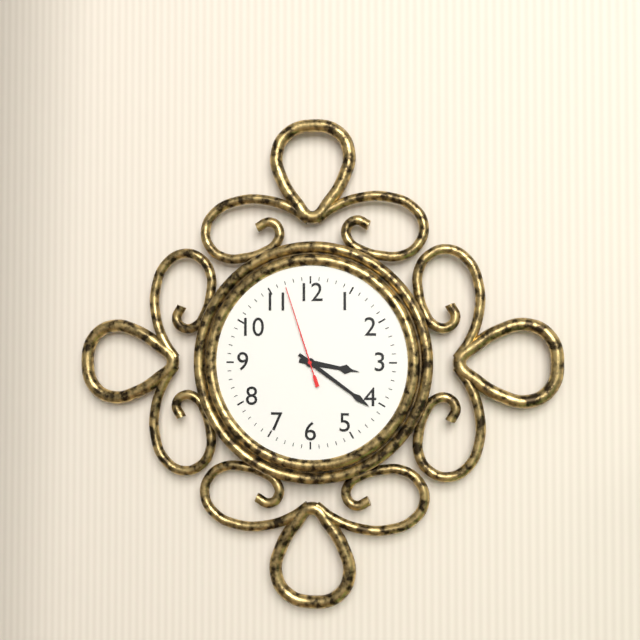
3:21:57
